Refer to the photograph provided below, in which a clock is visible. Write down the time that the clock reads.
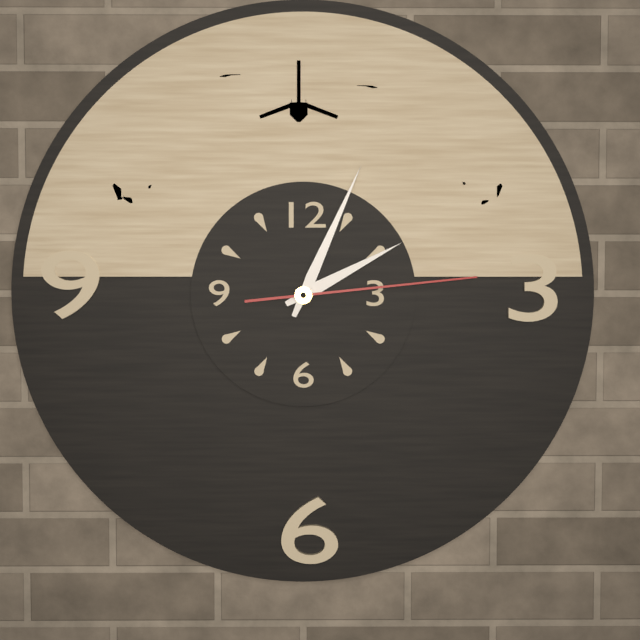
2:04:14
